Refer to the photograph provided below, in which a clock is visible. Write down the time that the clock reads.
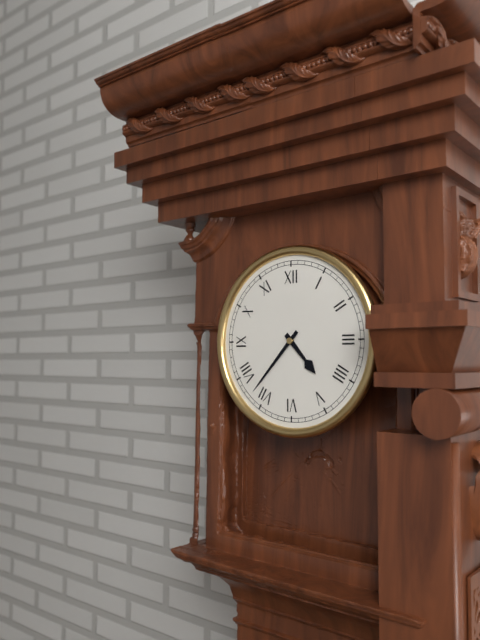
4:37
